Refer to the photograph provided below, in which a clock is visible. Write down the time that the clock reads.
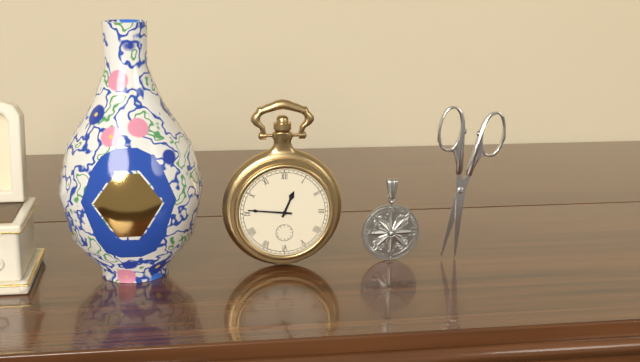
12:46
